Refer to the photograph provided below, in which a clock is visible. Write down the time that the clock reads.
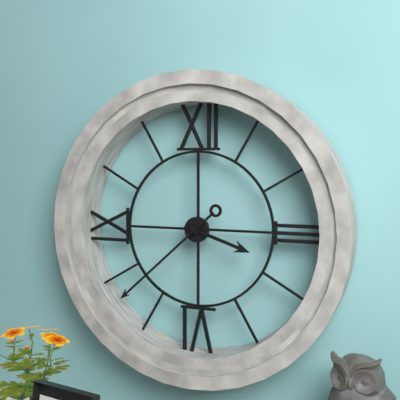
3:38
